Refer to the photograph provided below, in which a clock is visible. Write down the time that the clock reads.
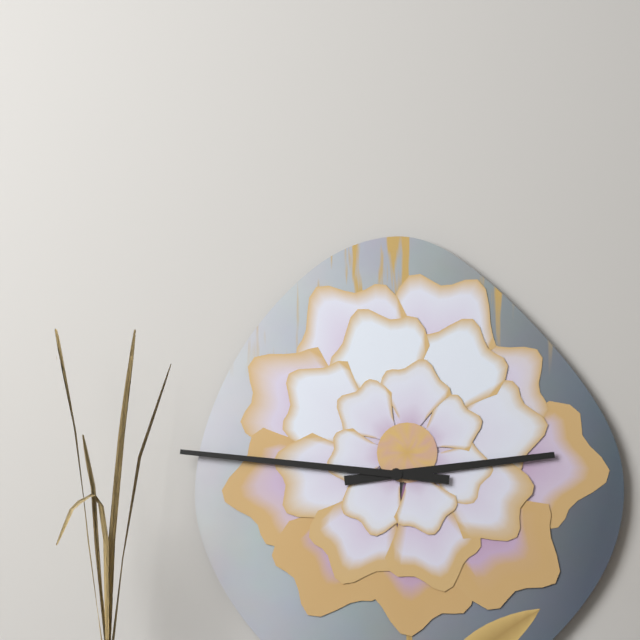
2:46
